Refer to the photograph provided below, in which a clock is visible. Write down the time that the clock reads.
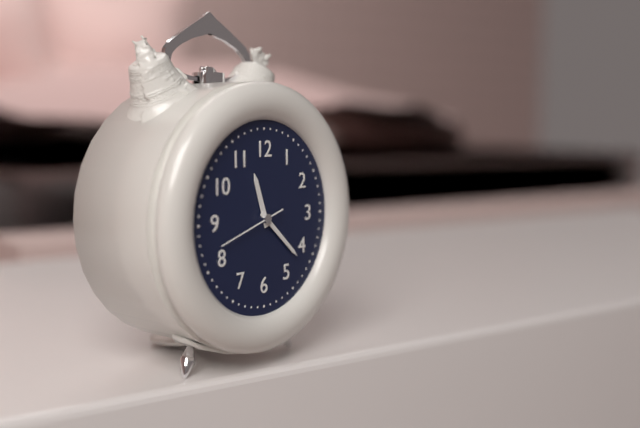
11:22:42
